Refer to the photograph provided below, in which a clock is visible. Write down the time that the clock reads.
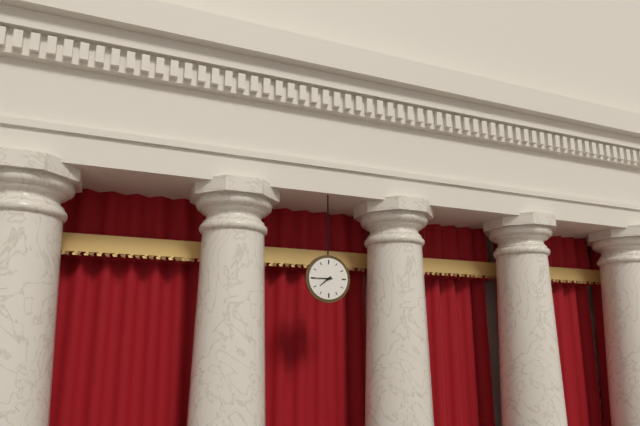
7:45
